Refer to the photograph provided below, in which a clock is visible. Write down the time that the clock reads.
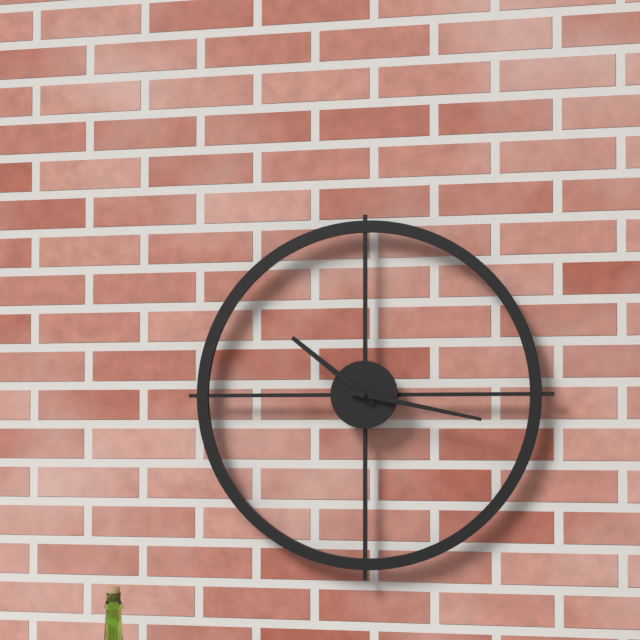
10:17
